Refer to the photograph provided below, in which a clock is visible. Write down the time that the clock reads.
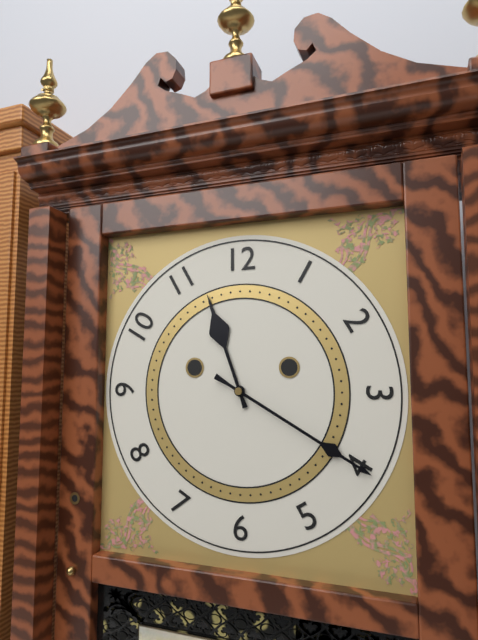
11:20
